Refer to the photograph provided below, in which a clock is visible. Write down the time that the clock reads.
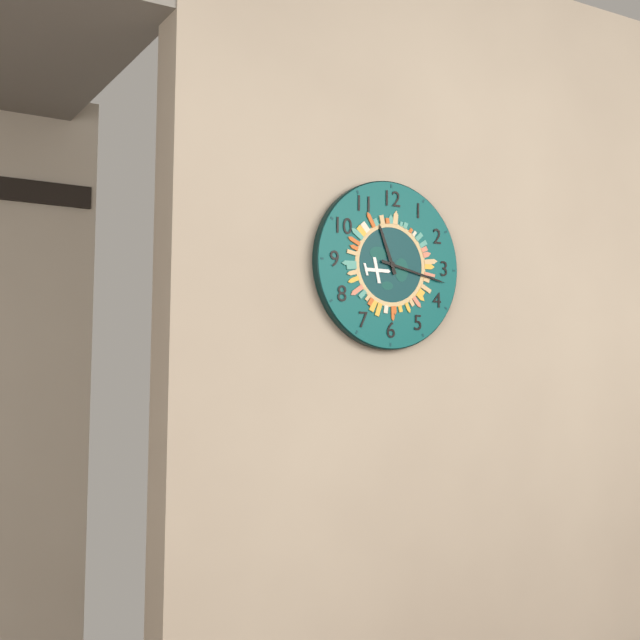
11:17
